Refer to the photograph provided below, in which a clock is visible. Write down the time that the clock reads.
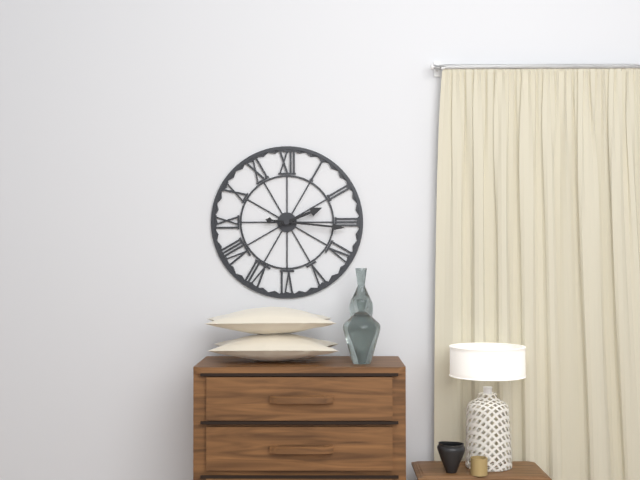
2:16
